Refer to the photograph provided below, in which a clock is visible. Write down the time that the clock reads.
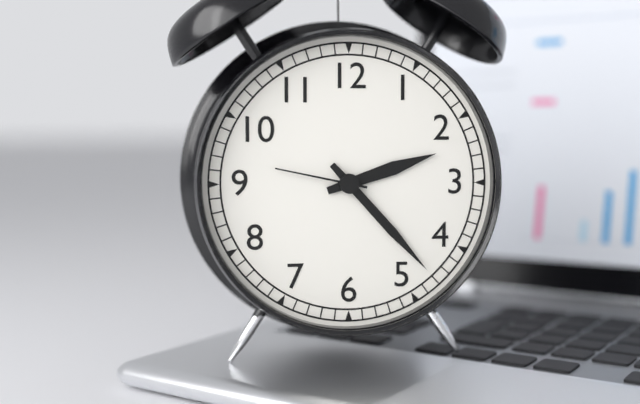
2:23:47
